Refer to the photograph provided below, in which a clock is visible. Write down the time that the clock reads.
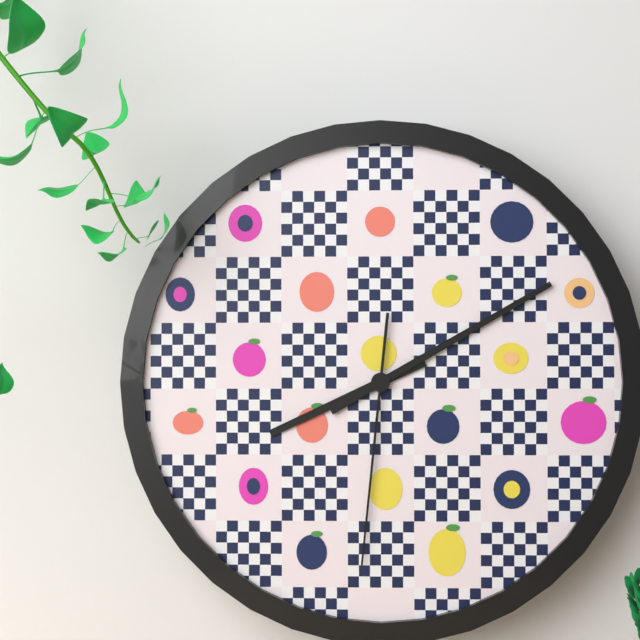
8:10:31
